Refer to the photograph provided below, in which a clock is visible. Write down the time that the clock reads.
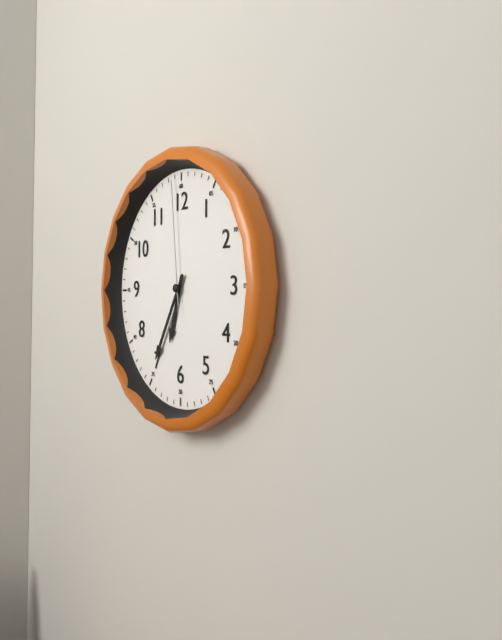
6:35:59
